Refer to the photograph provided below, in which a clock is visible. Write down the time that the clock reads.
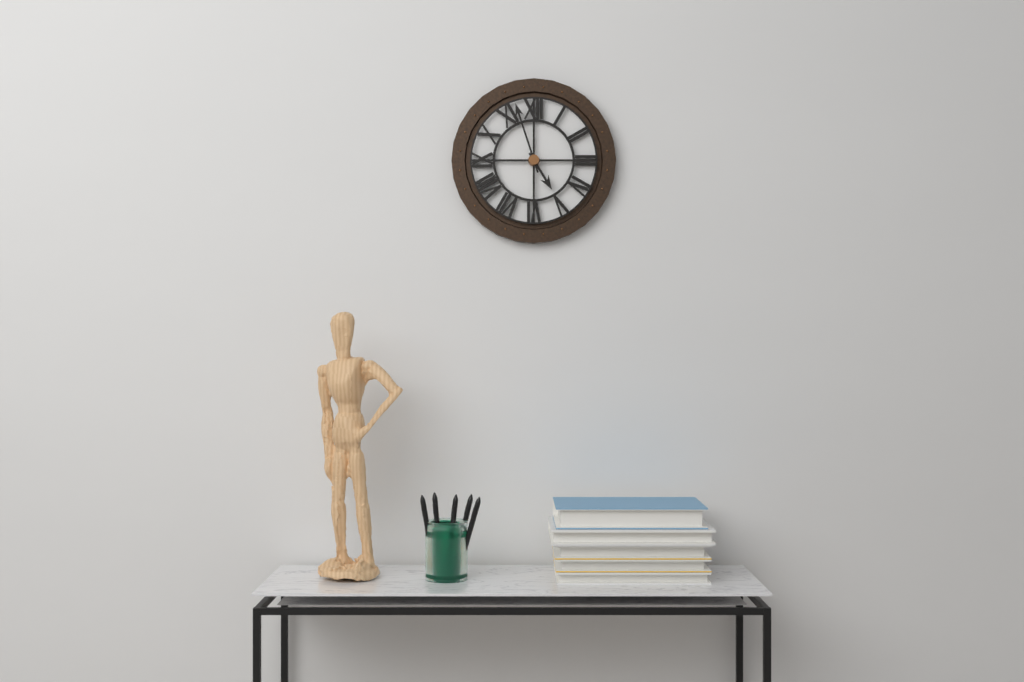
4:57
